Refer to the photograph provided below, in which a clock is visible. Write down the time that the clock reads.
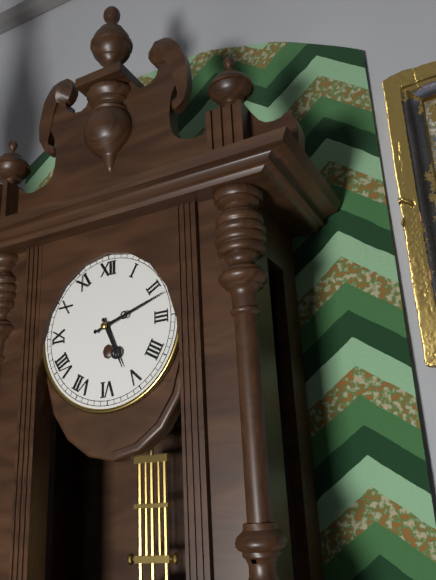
5:12
